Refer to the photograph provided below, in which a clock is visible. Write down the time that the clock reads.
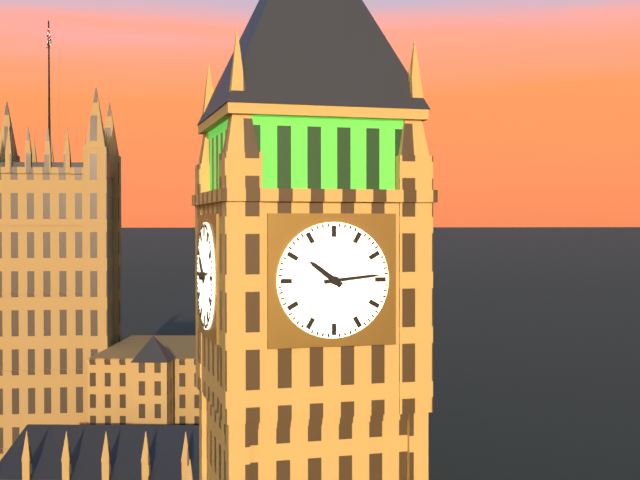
10:14
